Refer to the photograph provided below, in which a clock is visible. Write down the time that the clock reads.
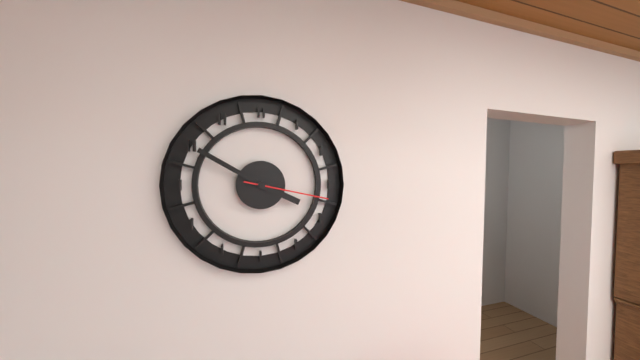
3:50:17
